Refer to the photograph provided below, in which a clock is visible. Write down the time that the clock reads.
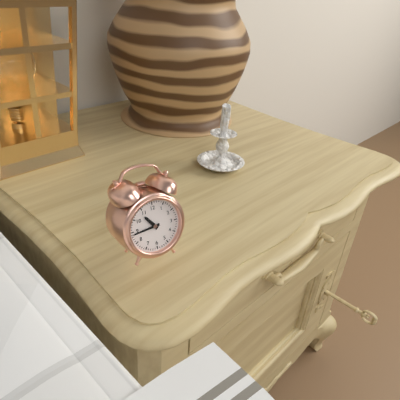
10:44
